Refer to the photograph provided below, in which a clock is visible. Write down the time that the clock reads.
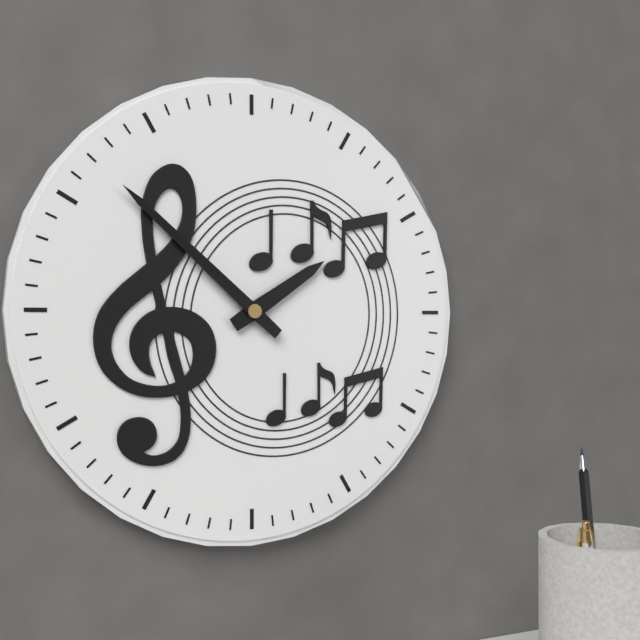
1:52
